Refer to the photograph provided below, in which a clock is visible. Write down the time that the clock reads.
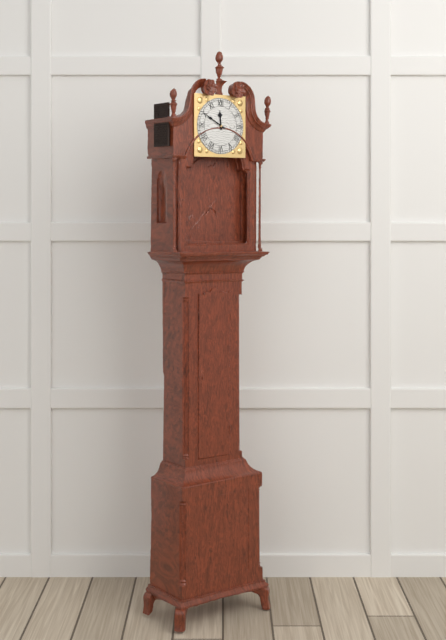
11:50
